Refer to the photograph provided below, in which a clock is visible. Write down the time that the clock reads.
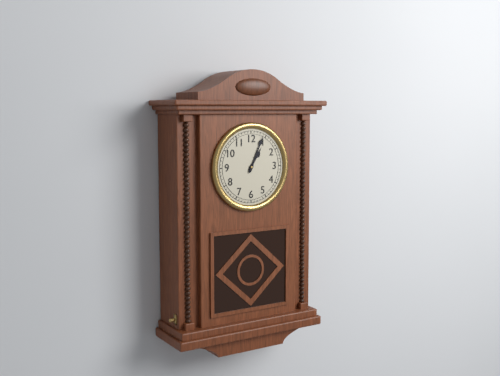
1:04
